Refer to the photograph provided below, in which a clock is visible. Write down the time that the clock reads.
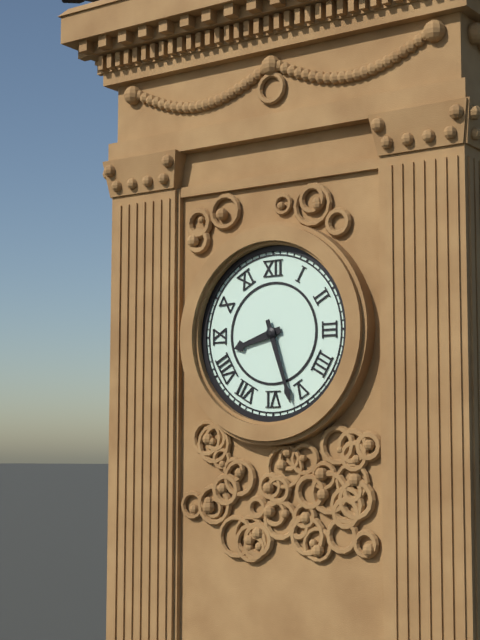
8:27
